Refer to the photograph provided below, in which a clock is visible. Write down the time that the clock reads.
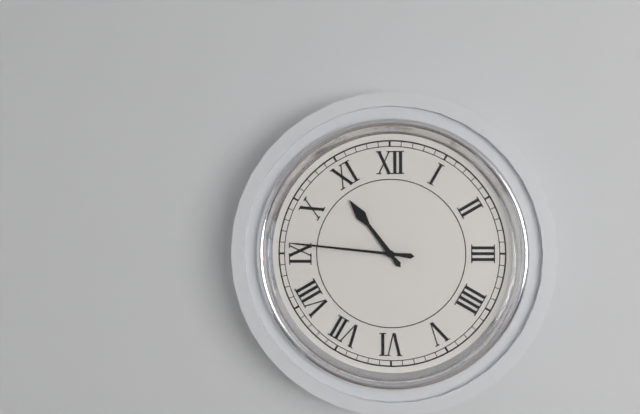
10:46
